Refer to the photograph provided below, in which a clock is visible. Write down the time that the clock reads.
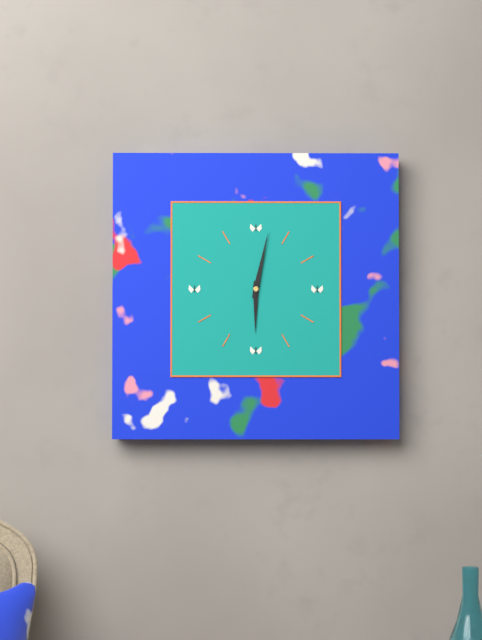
6:02
